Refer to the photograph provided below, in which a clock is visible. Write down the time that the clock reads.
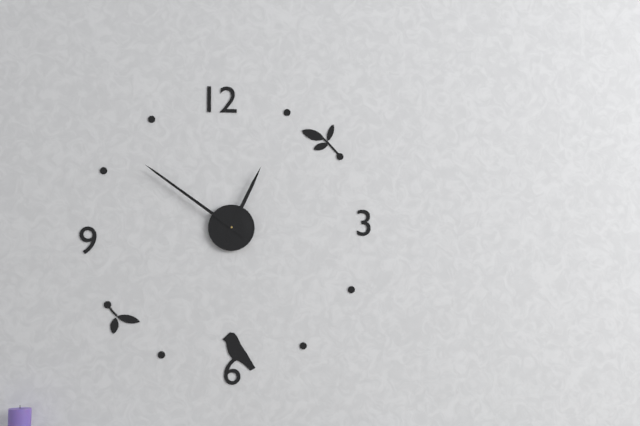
12:51
